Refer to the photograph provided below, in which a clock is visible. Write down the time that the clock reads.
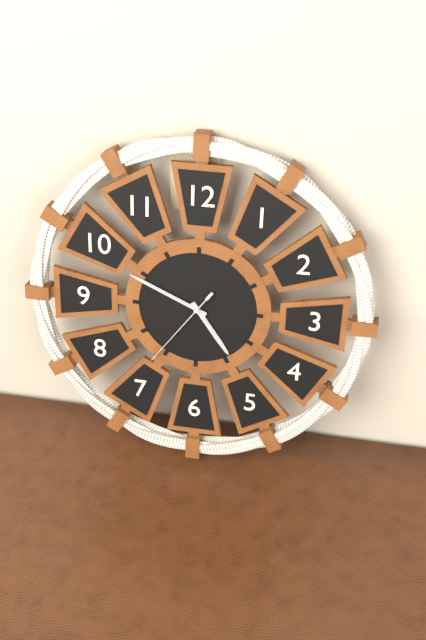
4:49:36
